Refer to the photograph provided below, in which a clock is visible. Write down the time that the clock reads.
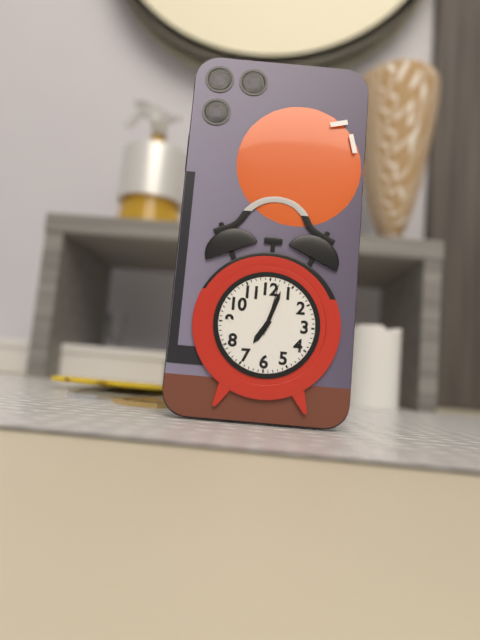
7:03:02
